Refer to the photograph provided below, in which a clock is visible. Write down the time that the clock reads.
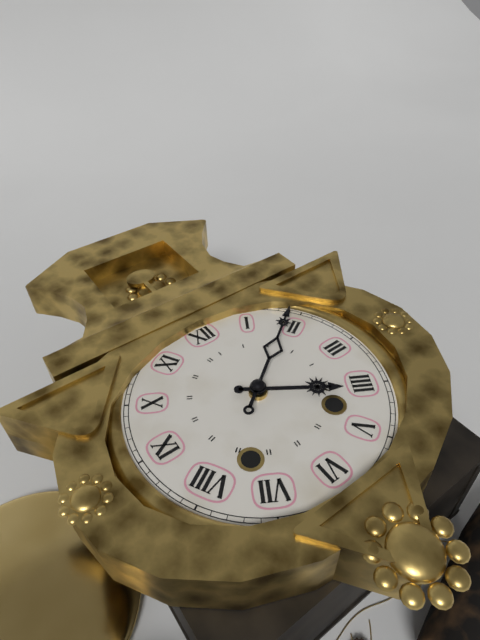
4:09
